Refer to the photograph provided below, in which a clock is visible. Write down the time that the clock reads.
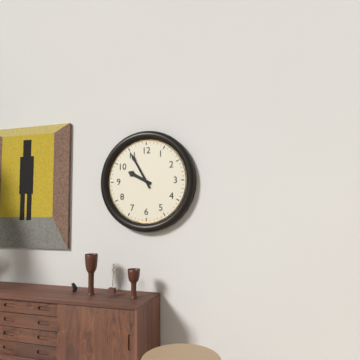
9:55
